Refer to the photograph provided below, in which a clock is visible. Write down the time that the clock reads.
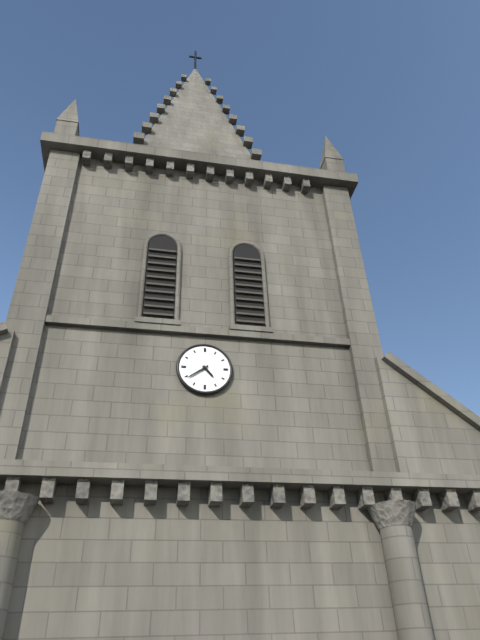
4:39
